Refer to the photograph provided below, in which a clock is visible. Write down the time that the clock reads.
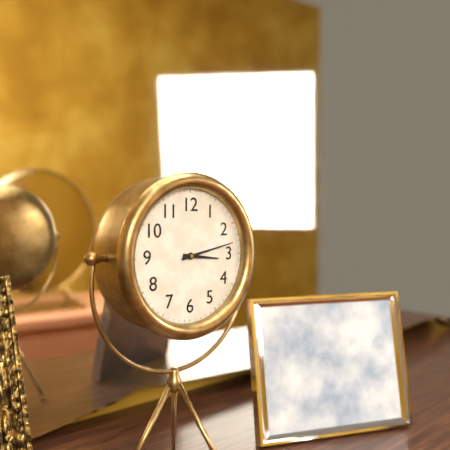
3:13
